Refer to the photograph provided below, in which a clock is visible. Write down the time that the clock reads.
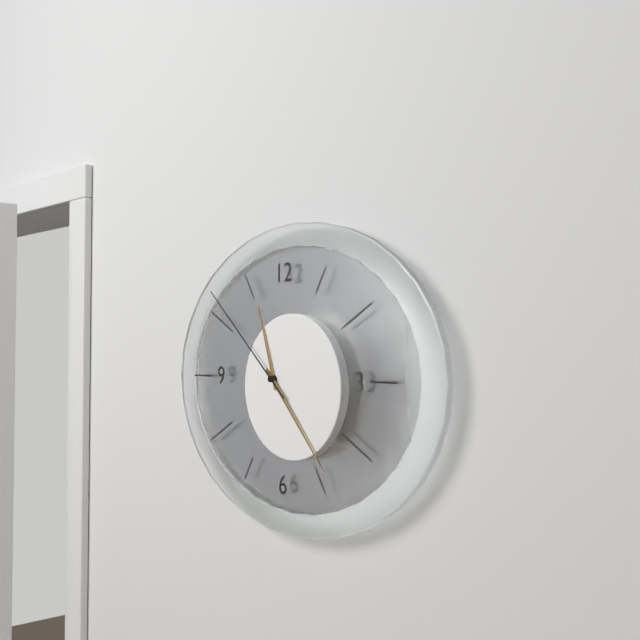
11:23:52
